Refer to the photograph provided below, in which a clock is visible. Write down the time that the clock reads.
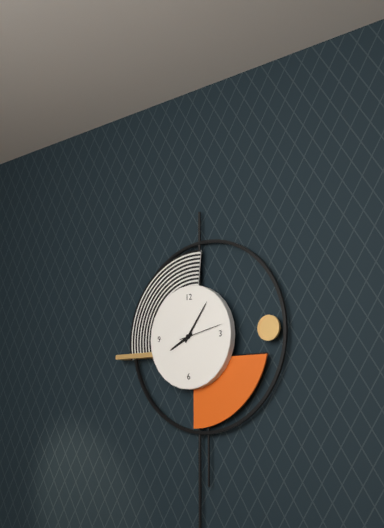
8:06
